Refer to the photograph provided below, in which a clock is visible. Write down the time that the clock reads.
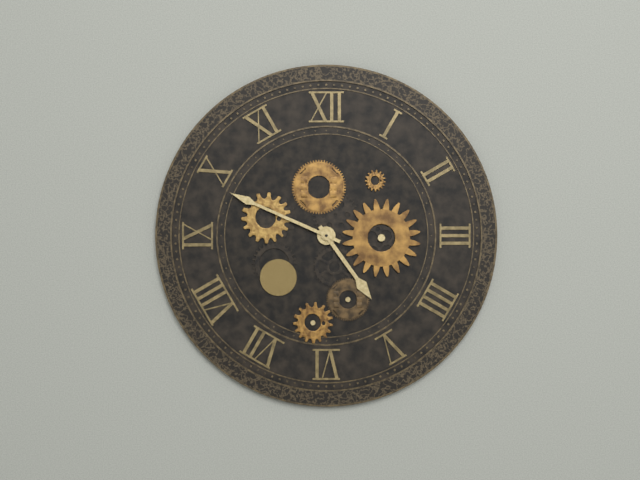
4:49
